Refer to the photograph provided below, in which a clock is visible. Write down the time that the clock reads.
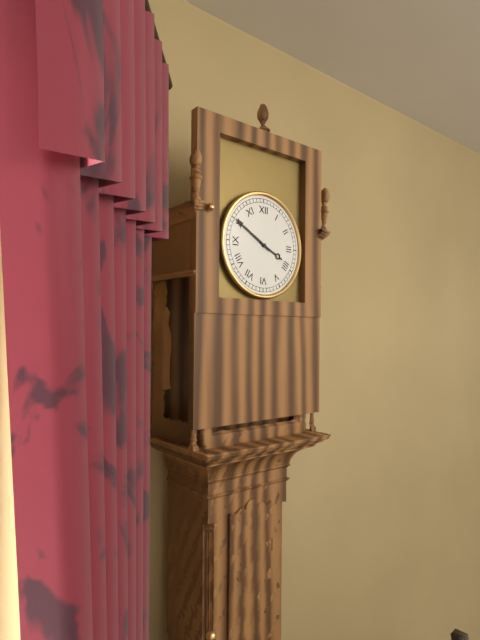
3:50
